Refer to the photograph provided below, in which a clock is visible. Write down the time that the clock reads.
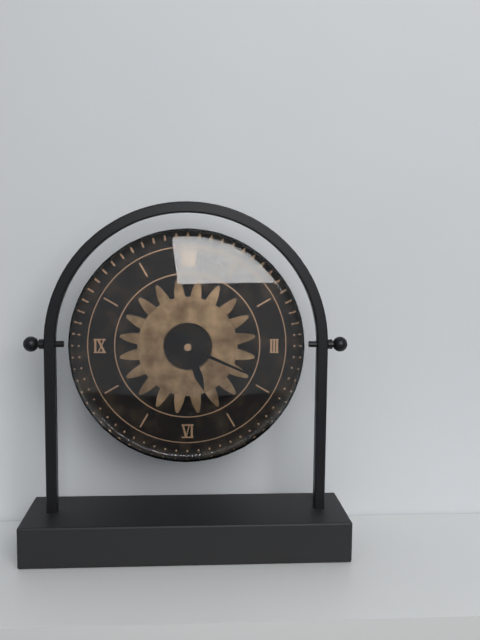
5:19
